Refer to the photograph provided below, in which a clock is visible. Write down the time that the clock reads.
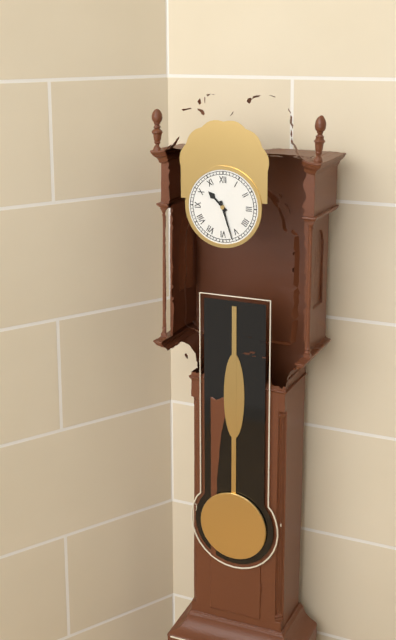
10:27
